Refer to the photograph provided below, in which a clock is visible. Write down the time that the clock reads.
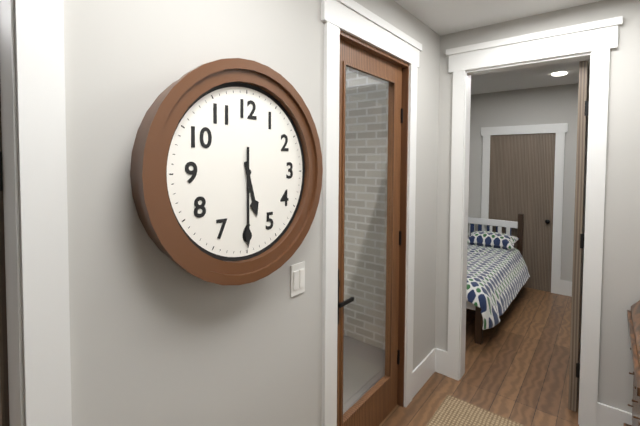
5:30
